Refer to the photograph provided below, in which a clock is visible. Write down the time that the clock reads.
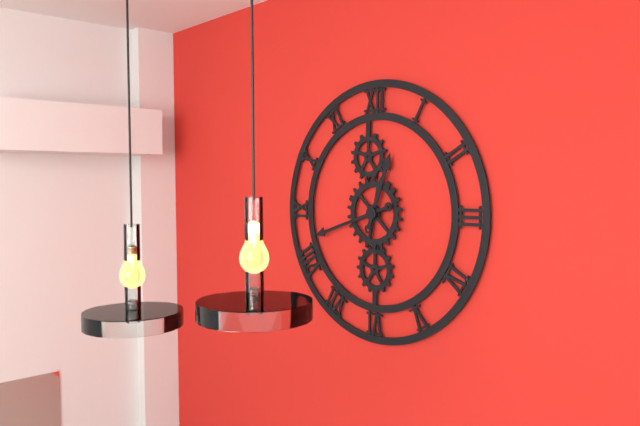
12:42
